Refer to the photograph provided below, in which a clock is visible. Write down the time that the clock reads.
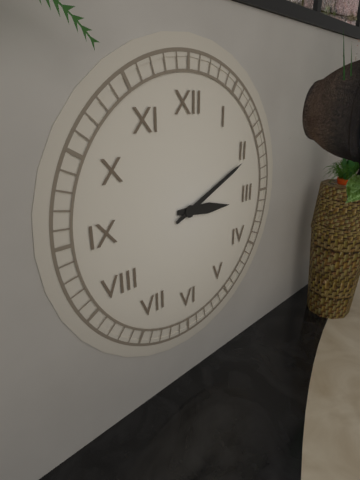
3:11
